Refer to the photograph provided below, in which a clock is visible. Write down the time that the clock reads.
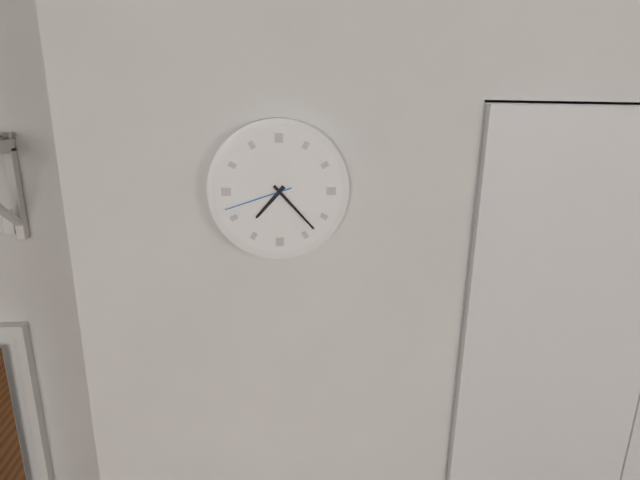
7:23:42
